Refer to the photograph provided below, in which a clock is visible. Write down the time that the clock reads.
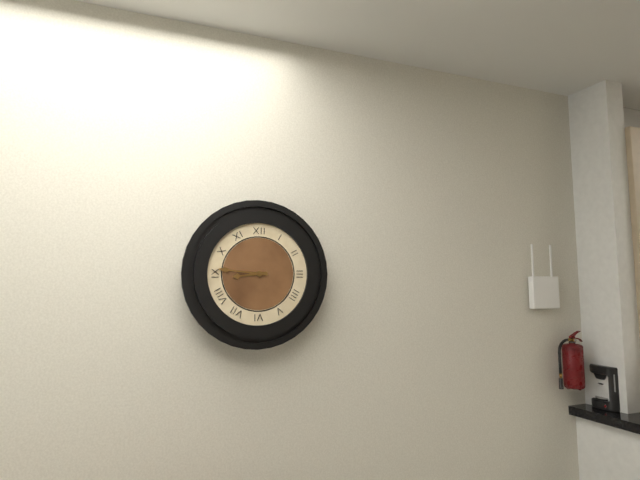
8:46
